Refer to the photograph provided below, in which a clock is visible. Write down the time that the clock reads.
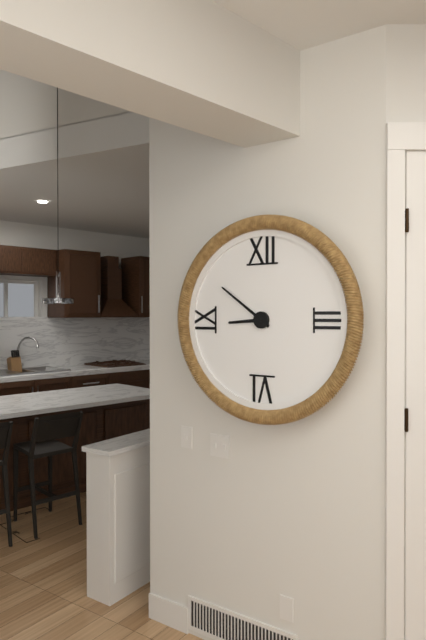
8:51
